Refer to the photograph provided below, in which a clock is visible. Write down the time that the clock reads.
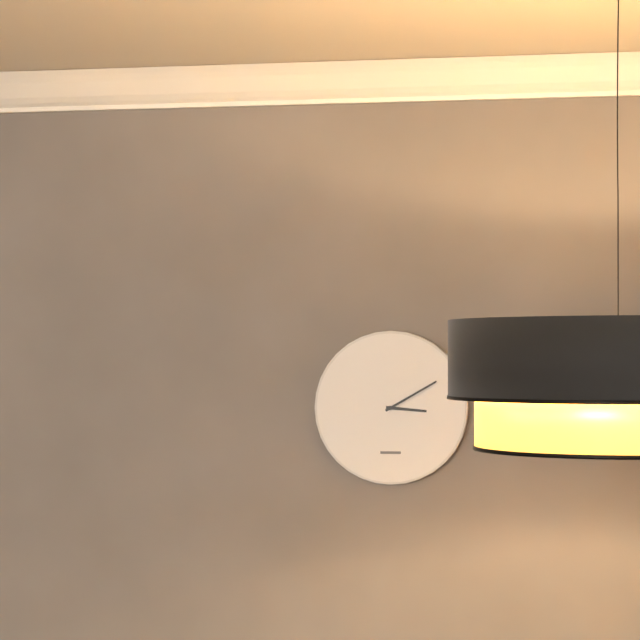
3:10
